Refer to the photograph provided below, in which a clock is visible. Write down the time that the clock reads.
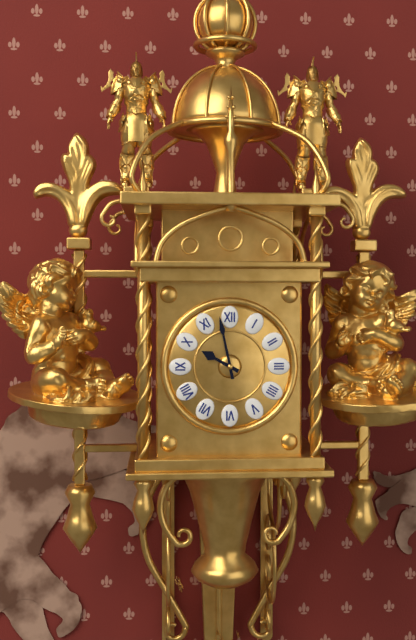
9:58
